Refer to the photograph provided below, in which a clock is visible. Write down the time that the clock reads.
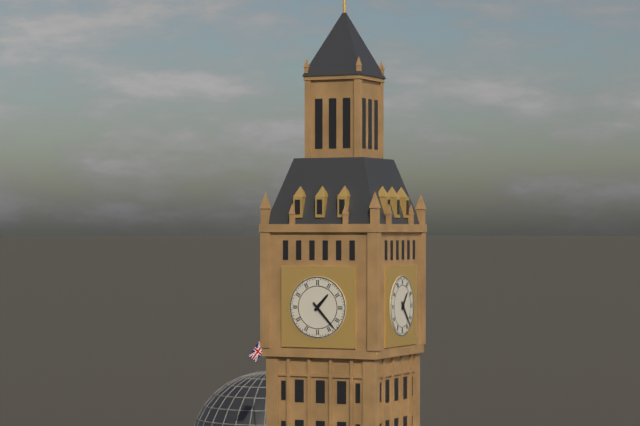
1:23
